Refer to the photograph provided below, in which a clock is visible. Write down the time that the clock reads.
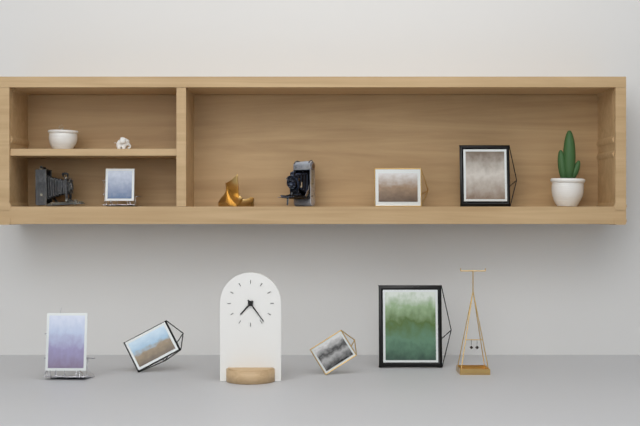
7:24
